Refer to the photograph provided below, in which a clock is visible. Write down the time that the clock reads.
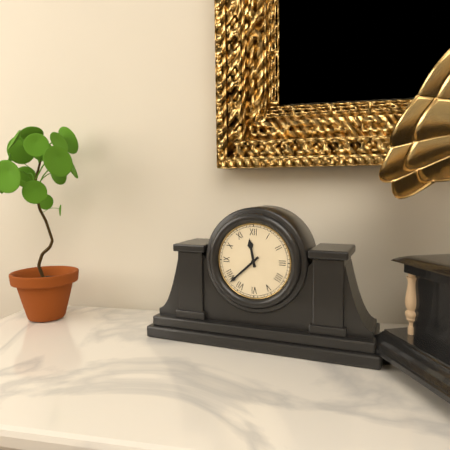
11:38
